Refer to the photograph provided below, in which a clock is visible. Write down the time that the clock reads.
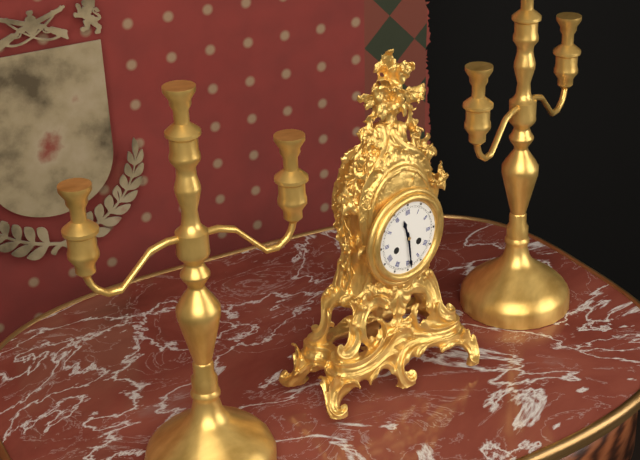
11:29
